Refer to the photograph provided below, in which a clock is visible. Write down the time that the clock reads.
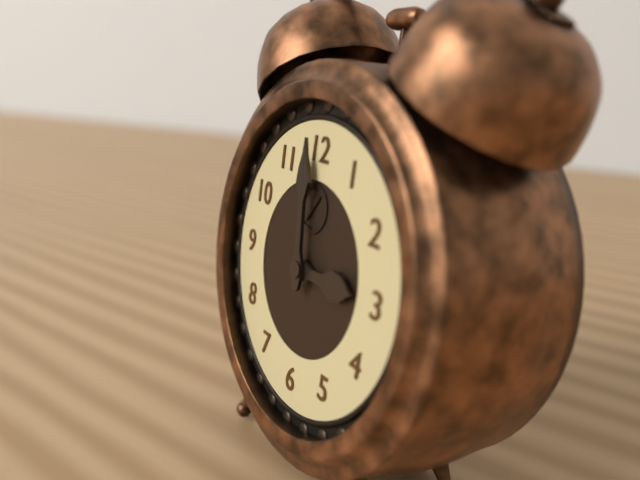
2:59
